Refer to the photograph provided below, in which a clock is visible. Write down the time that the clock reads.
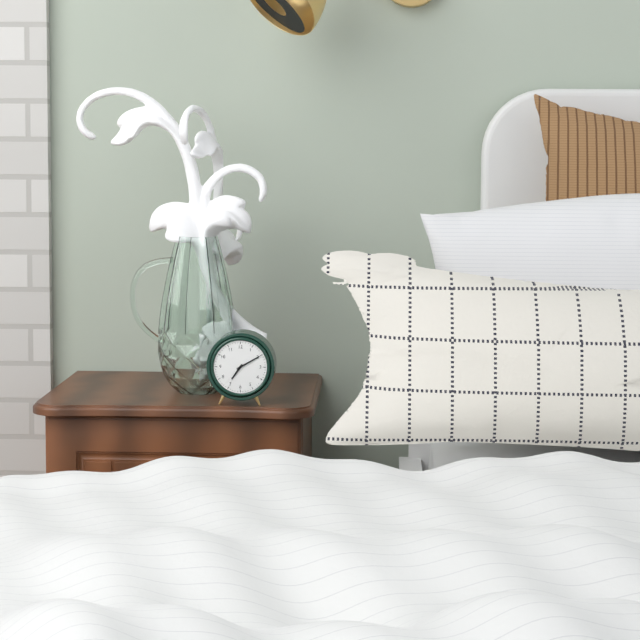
7:10
